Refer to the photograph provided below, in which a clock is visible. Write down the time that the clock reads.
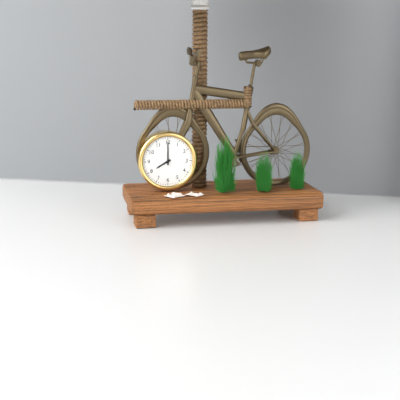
8:00
